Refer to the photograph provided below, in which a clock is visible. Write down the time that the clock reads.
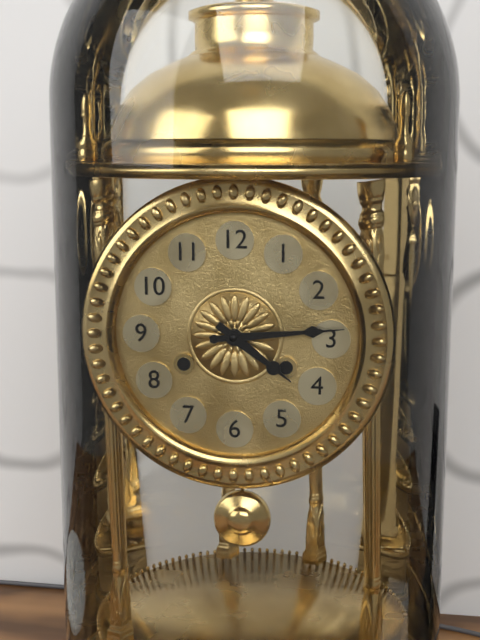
4:14
